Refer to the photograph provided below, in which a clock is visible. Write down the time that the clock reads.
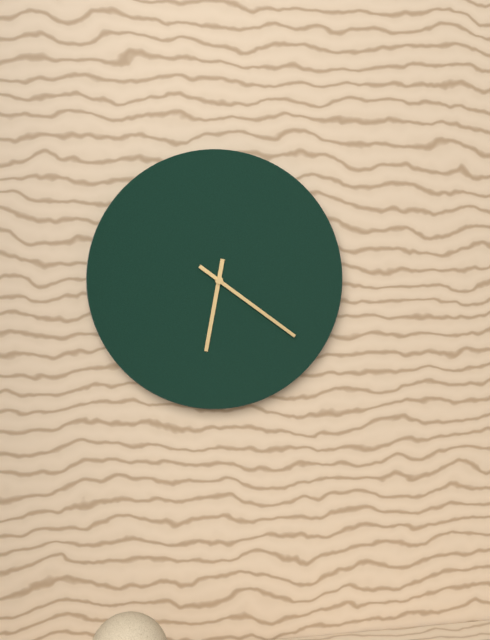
6:21
